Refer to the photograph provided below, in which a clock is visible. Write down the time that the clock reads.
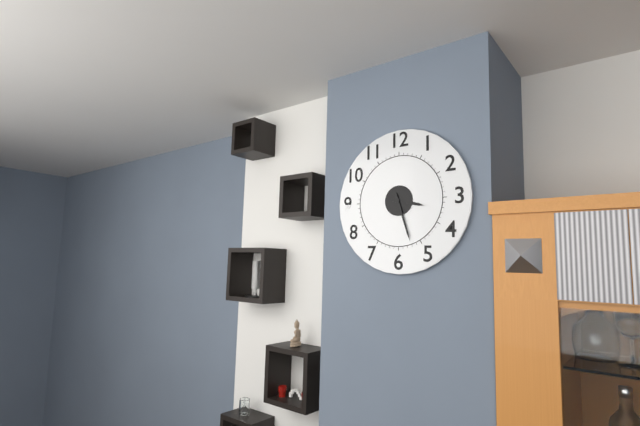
3:27
